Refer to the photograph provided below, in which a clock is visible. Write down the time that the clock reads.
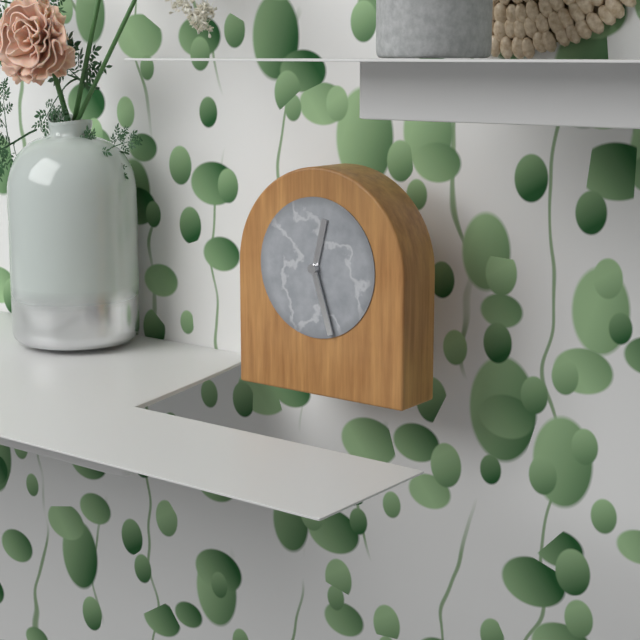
12:27
